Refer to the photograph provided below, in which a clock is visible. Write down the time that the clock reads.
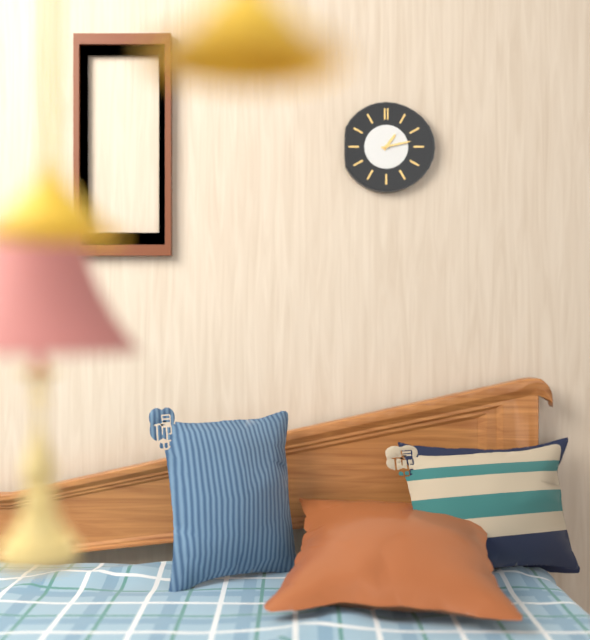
1:13
